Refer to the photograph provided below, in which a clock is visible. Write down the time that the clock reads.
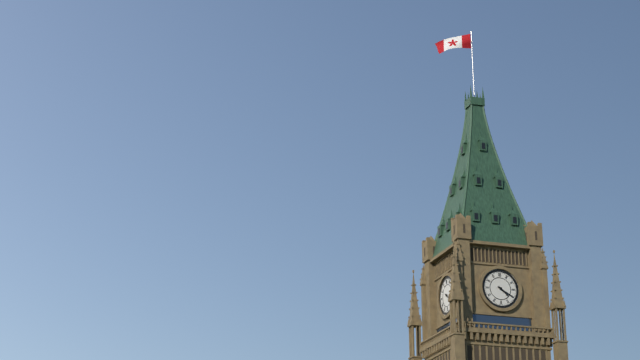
4:20
